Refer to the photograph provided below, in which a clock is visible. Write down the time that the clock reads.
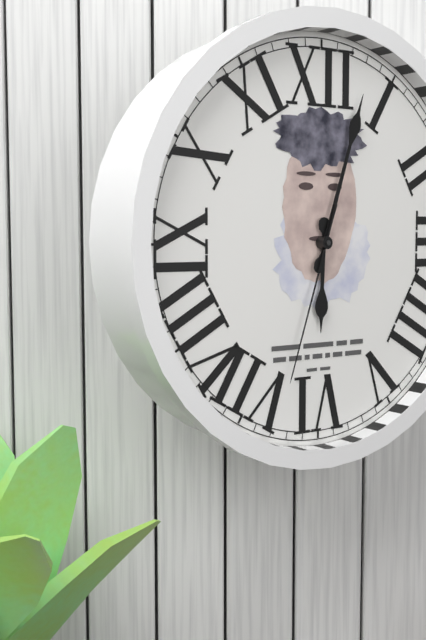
6:03:33
